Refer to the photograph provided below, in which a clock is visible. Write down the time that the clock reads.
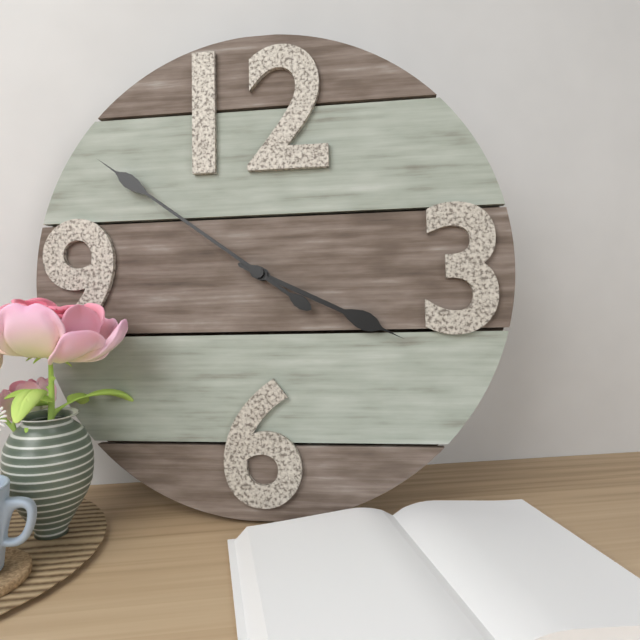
3:51
